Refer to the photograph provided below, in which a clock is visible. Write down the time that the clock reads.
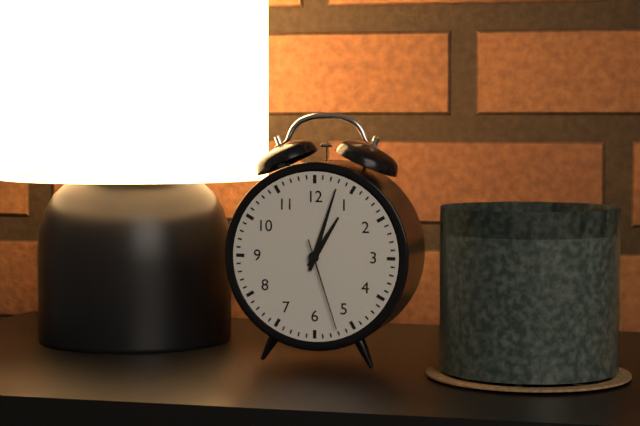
1:03:27
